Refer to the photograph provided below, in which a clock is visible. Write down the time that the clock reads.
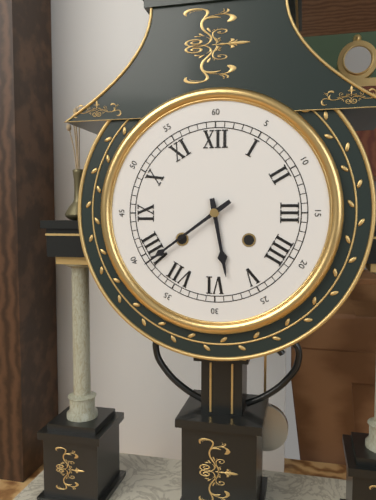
5:39
